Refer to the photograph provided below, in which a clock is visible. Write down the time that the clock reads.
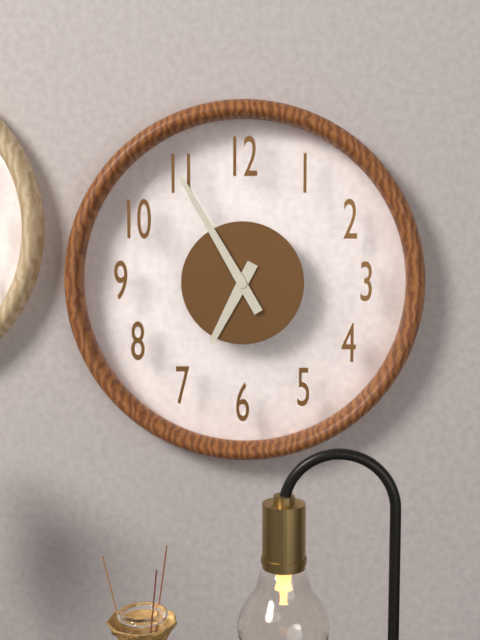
6:55
